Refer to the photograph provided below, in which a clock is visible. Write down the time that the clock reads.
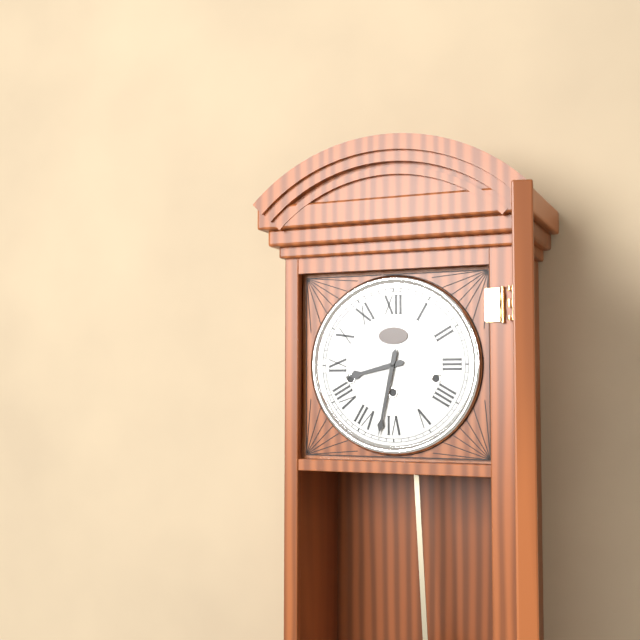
8:32
